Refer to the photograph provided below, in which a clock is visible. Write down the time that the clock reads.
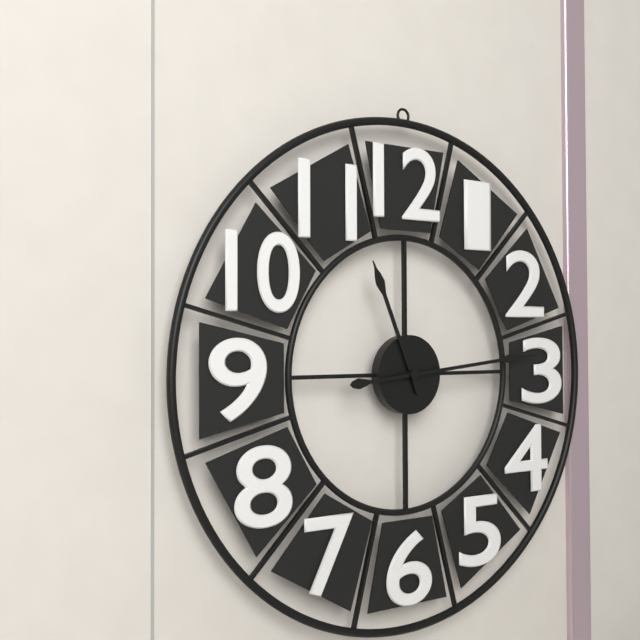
11:14
